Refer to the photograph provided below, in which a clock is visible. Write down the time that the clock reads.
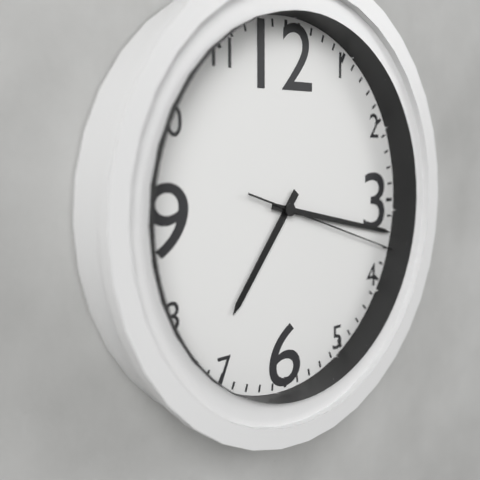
7:17:18
